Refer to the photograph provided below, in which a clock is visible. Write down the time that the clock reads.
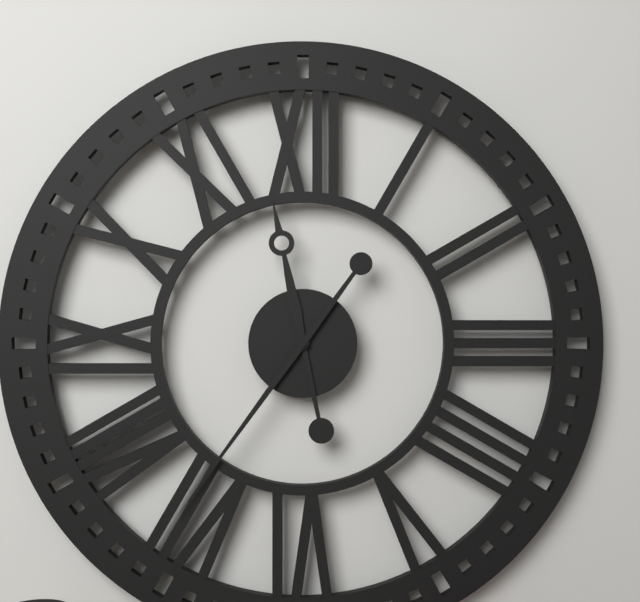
11:36
